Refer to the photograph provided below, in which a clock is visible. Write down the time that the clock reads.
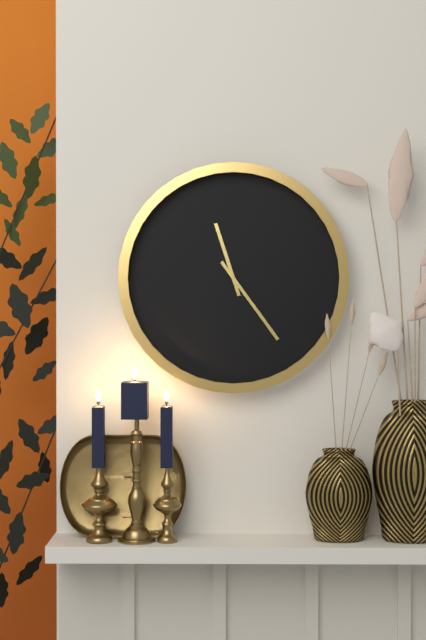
11:24
